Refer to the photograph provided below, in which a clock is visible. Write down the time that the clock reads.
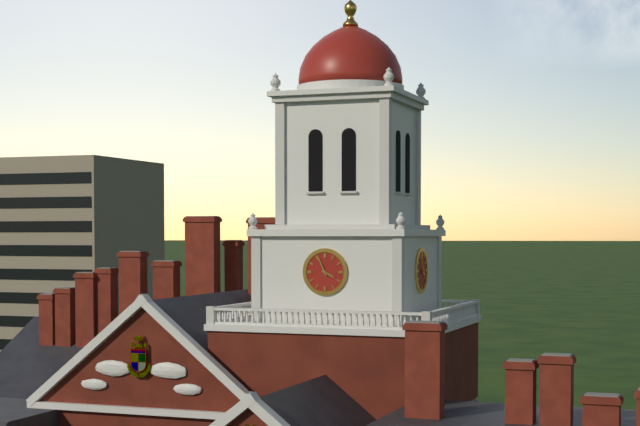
3:56
